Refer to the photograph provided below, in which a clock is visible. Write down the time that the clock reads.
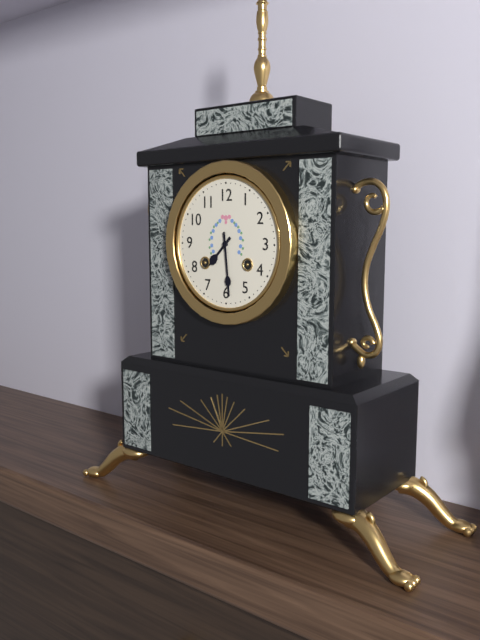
7:29
